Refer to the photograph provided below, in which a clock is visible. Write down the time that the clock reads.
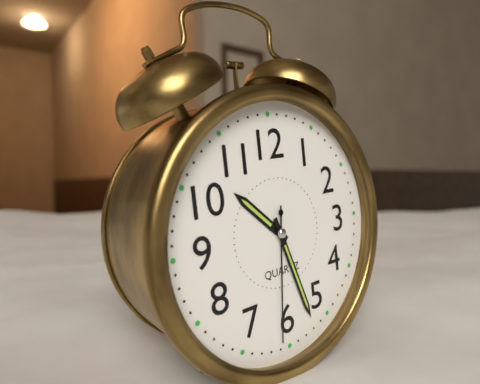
10:27:31
